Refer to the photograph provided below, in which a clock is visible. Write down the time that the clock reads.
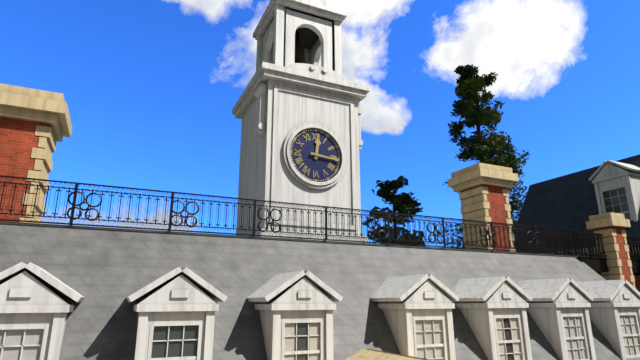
12:16
